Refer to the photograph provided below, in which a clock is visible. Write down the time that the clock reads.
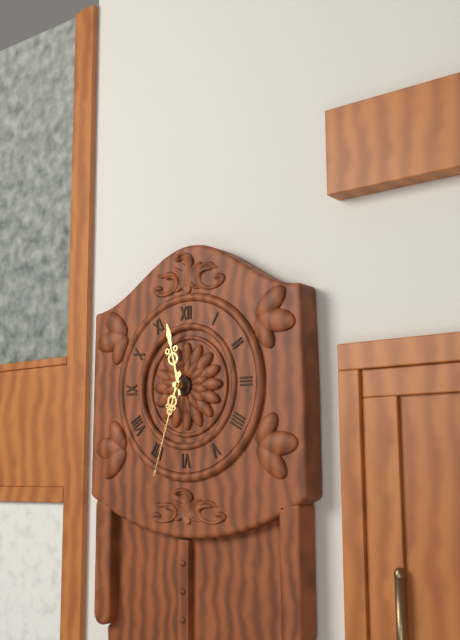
11:33
